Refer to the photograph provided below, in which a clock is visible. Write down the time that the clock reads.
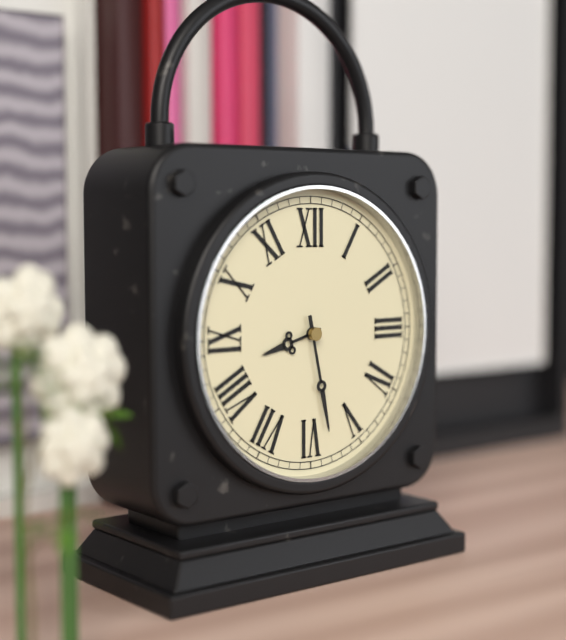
8:28
